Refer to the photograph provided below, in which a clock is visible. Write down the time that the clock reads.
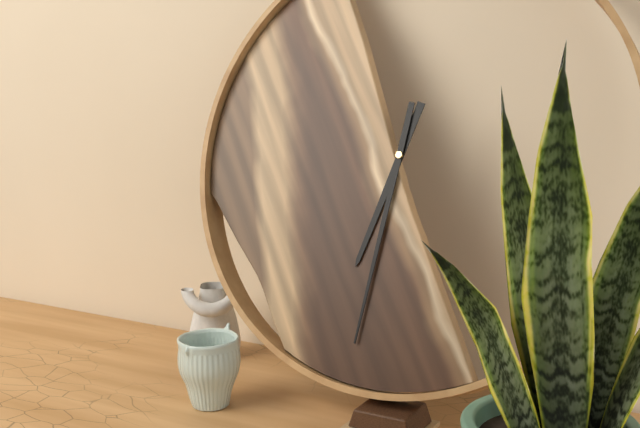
6:31
